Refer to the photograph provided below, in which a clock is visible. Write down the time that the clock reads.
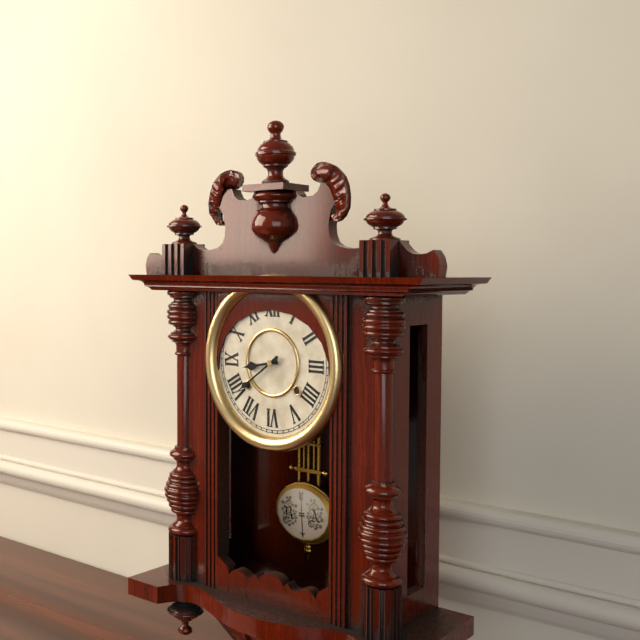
8:39
